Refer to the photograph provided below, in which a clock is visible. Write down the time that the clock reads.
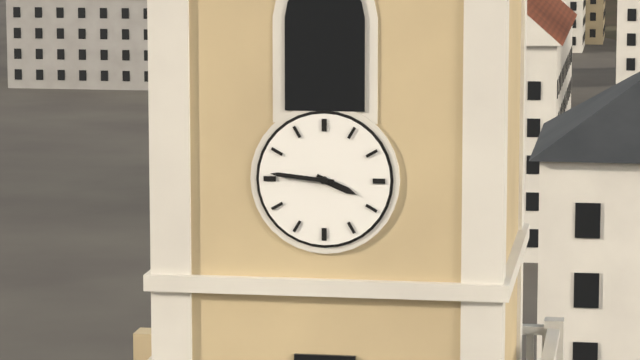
3:46
